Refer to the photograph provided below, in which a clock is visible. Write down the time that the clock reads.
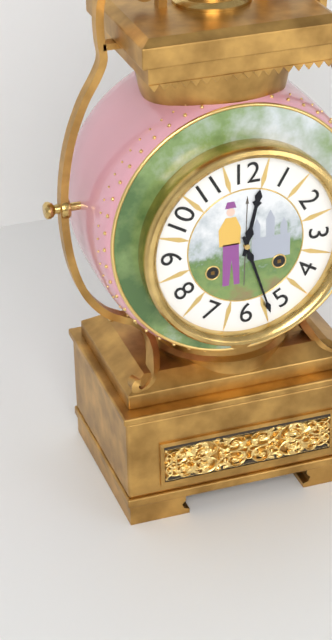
12:27
